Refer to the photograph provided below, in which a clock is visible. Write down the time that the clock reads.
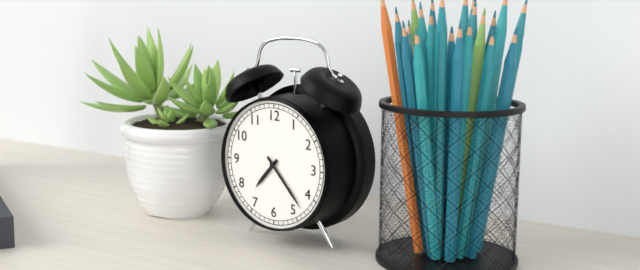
7:23
